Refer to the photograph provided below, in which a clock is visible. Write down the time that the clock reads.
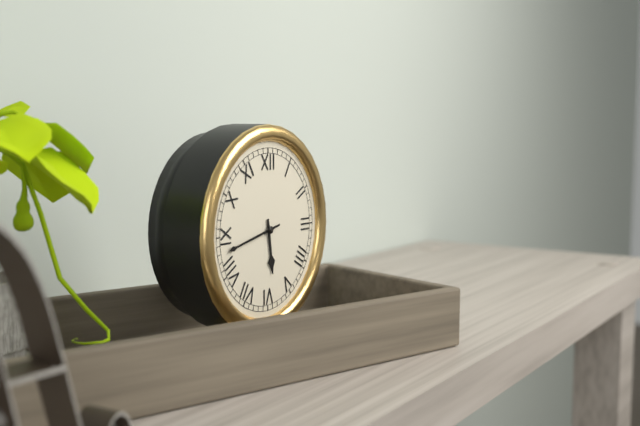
5:43
